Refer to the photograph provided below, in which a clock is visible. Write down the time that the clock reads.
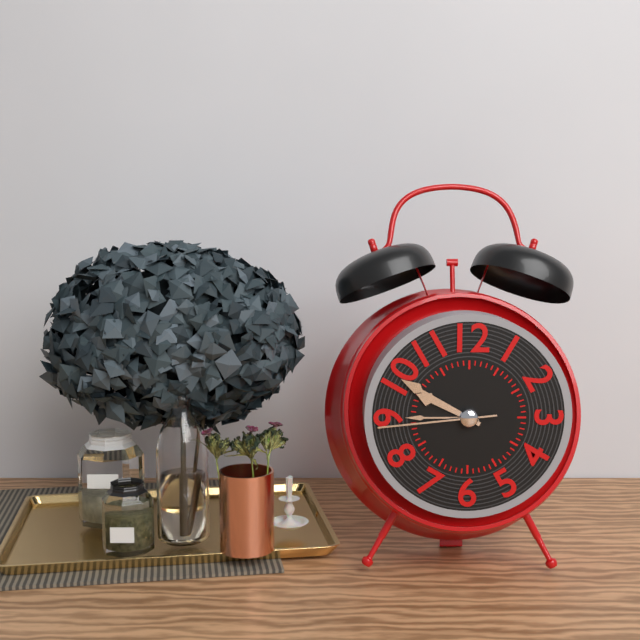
9:50:44
